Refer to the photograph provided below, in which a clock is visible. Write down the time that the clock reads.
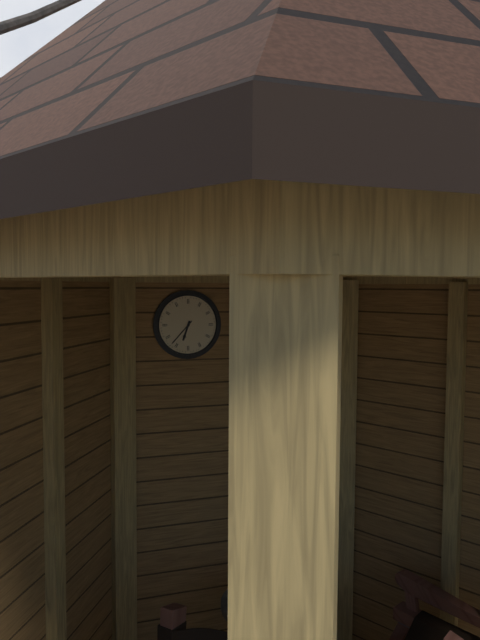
6:37
